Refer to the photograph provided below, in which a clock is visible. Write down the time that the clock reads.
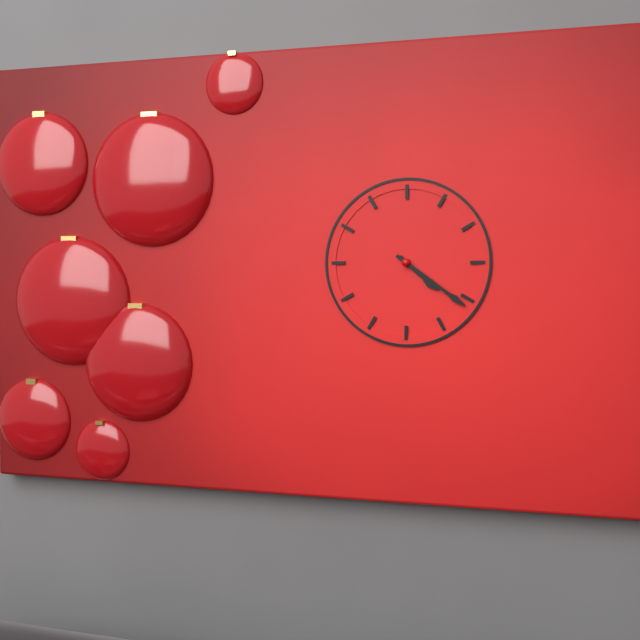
4:21
